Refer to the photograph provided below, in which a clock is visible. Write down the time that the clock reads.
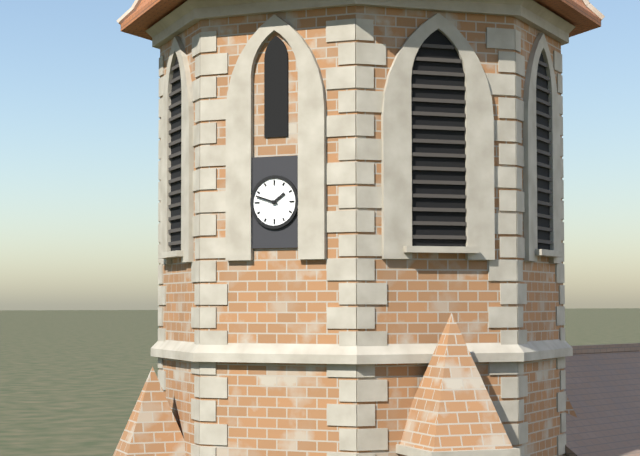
1:48
